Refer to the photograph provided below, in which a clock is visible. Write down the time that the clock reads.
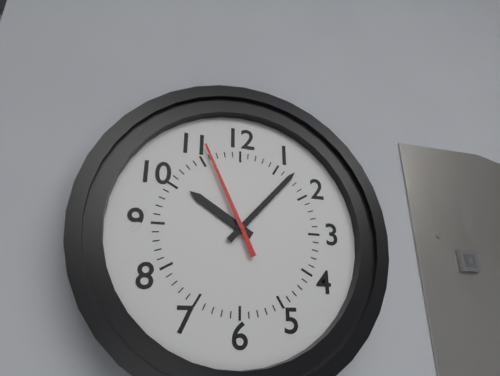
10:07:56
